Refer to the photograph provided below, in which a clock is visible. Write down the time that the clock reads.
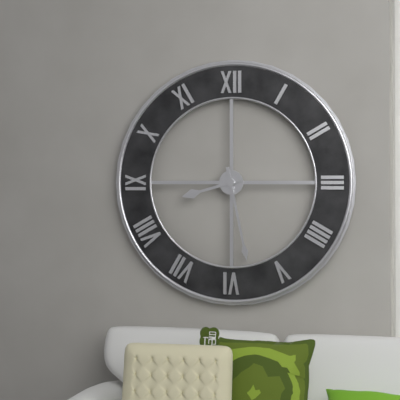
8:28
